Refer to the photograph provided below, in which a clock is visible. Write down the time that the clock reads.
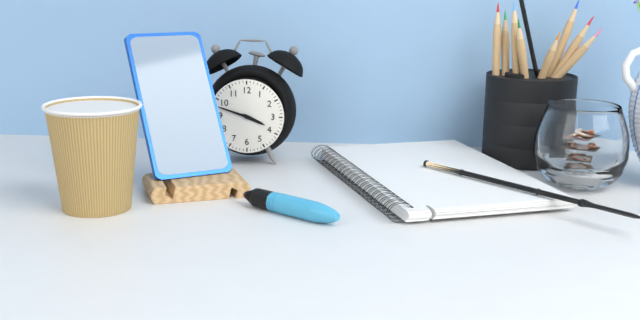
3:48
